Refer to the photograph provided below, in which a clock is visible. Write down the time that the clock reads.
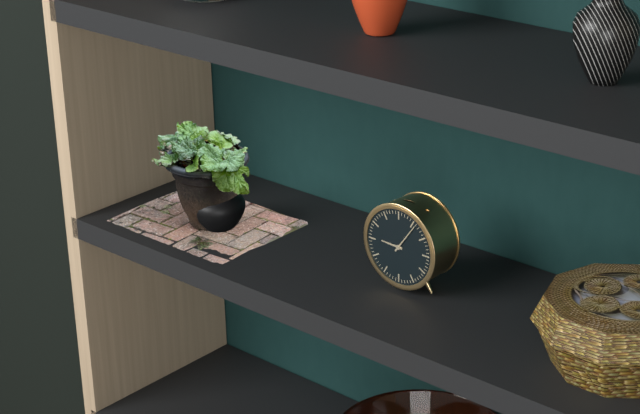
9:06
